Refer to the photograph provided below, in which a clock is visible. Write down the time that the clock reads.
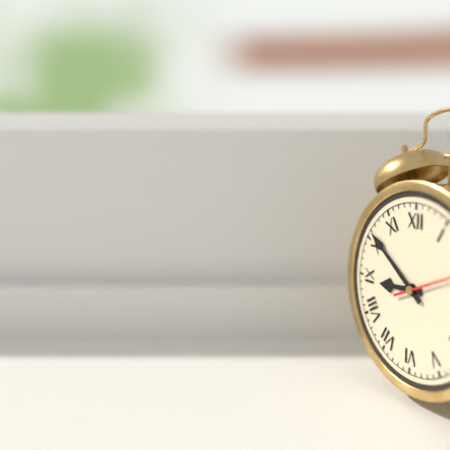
8:51
